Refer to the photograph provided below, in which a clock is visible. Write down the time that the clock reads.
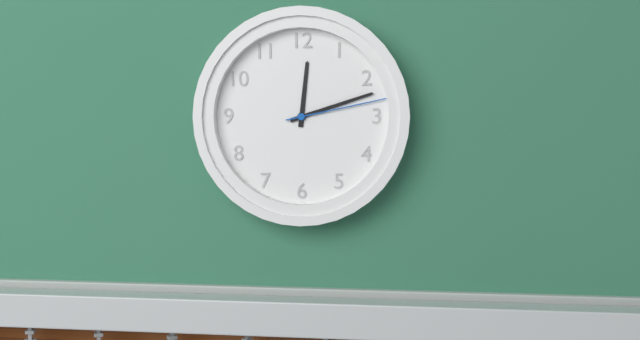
12:12:13
